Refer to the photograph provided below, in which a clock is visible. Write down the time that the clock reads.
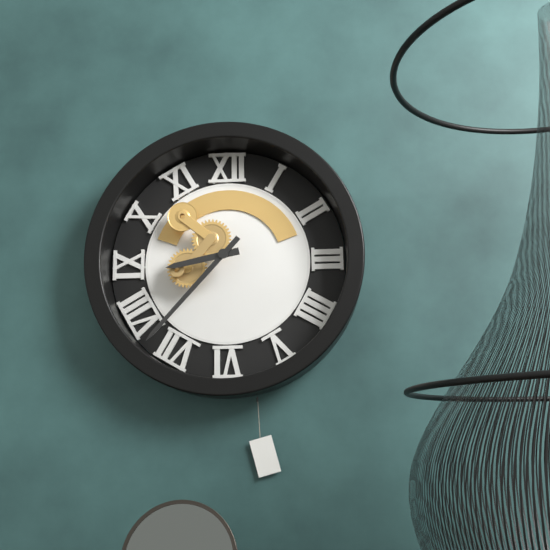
8:37
